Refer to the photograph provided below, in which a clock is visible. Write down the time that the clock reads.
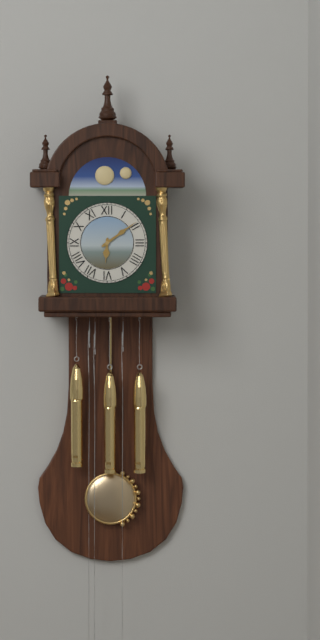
6:09
